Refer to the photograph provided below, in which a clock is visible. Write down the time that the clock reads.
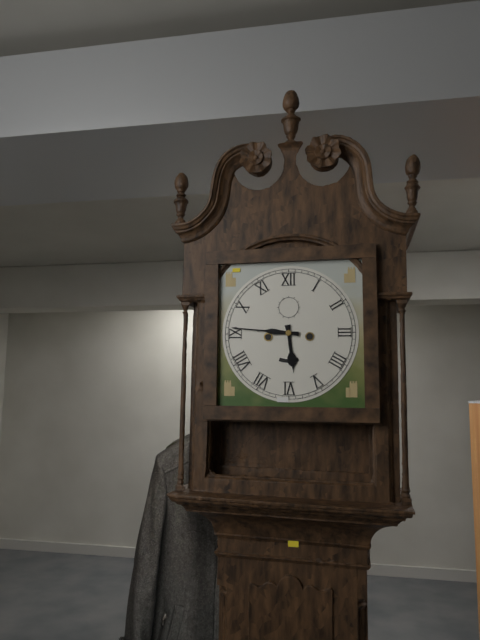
5:46
